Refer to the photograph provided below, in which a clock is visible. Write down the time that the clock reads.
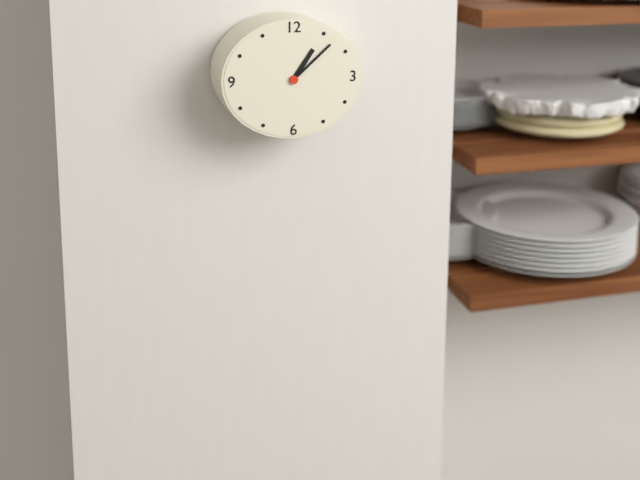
1:08
